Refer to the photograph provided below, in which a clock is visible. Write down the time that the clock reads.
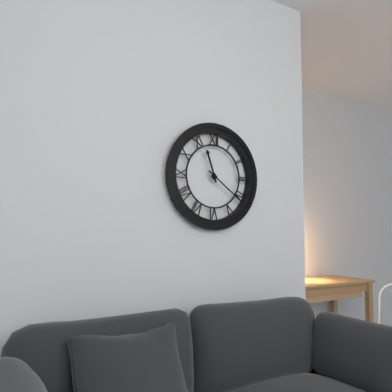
11:21
